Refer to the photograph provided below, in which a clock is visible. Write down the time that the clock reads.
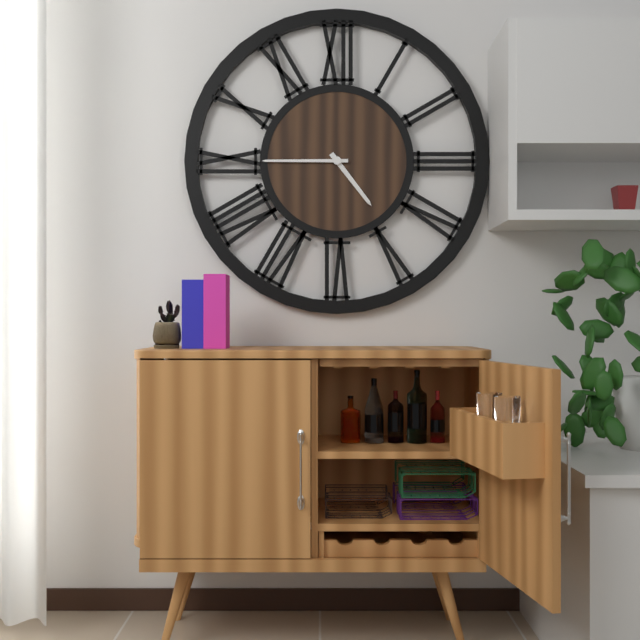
4:45
